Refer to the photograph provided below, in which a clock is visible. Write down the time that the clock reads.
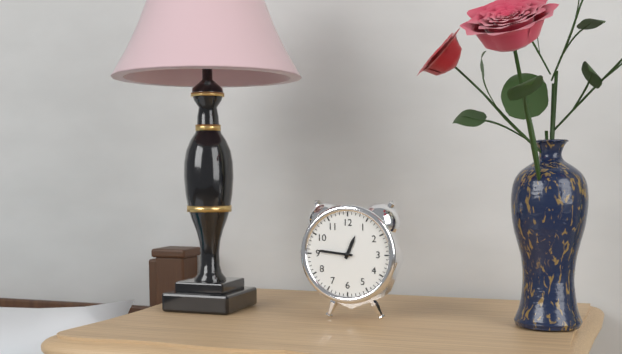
12:46
